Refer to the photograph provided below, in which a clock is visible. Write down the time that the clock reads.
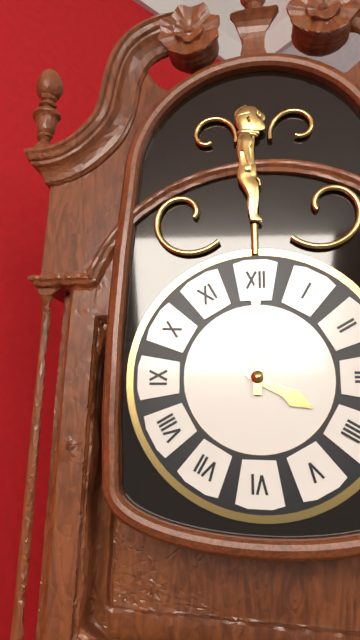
4:00
